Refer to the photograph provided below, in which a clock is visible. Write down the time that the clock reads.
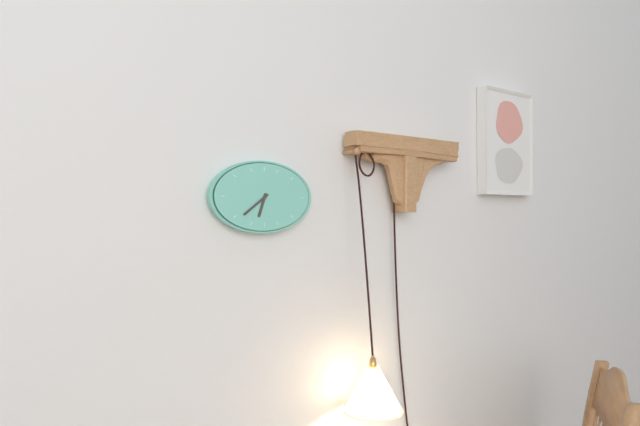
6:39
